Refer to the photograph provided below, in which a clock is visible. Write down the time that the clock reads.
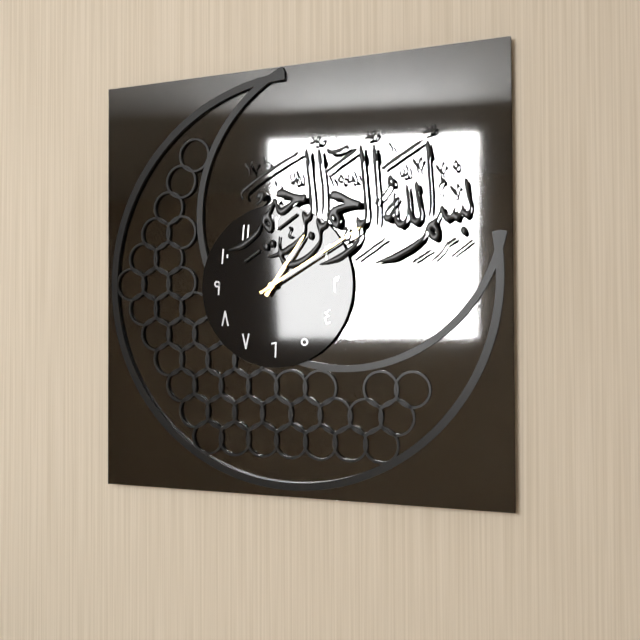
1:10
